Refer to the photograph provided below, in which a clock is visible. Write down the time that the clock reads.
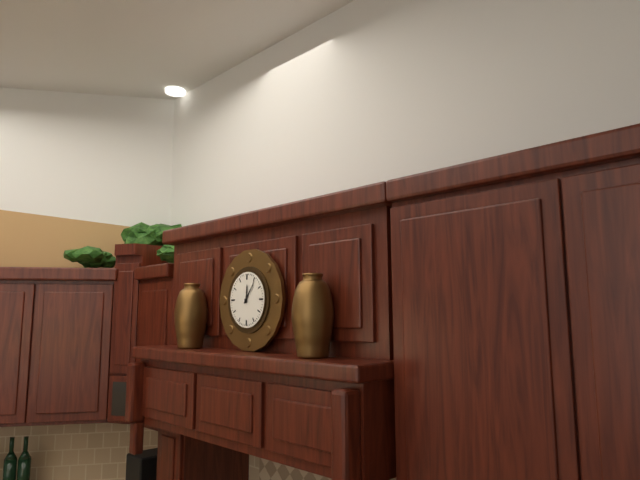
12:06
